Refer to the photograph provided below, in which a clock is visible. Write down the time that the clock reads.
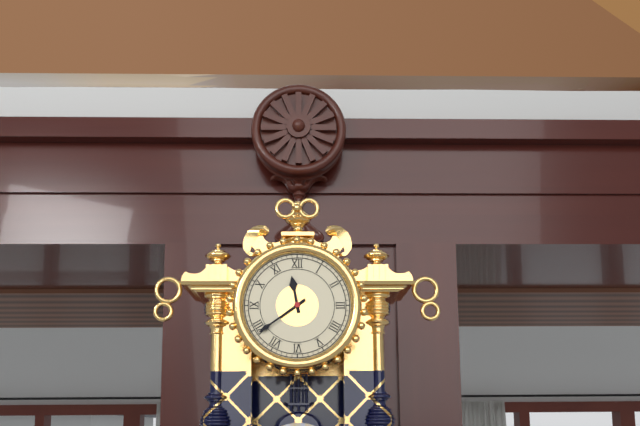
11:39
